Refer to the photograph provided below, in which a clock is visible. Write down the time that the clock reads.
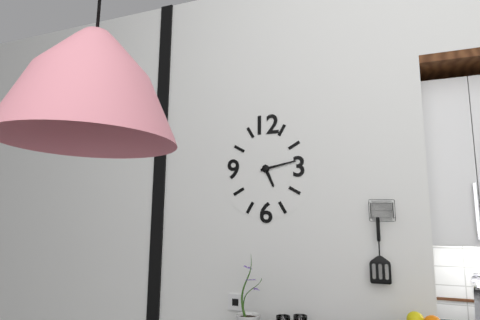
5:13
